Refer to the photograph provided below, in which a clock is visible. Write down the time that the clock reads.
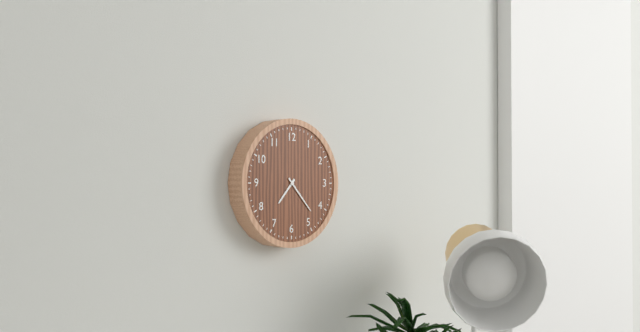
7:23
